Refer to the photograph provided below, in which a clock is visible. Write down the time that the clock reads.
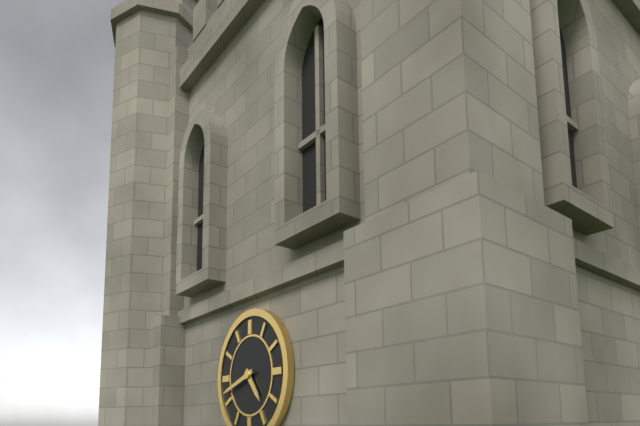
4:42
